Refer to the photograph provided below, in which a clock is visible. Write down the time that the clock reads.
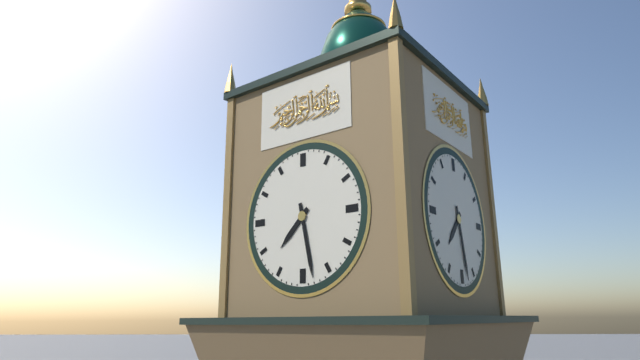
7:28
